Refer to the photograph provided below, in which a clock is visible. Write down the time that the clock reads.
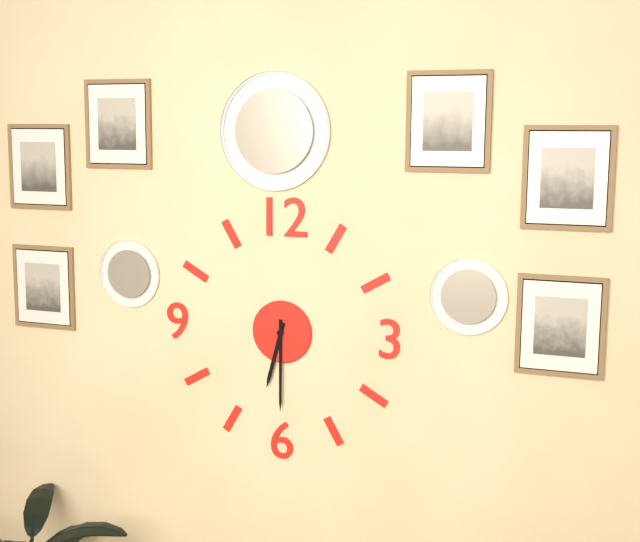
6:30
